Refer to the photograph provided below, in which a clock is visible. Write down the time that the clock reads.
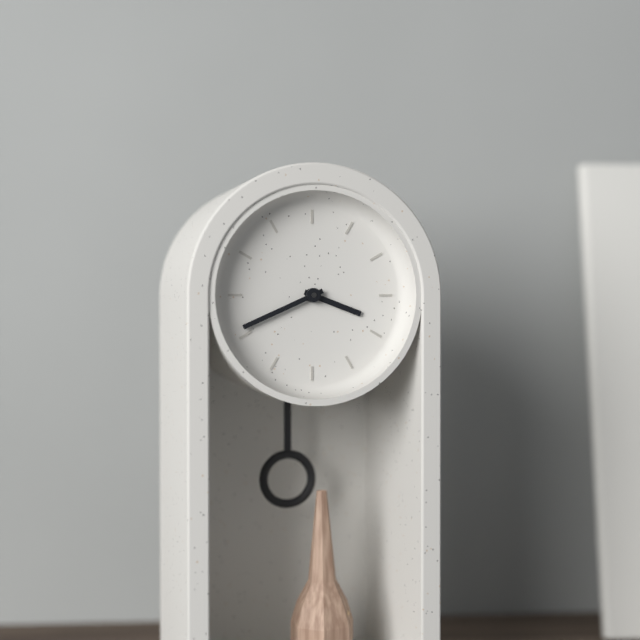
3:41
